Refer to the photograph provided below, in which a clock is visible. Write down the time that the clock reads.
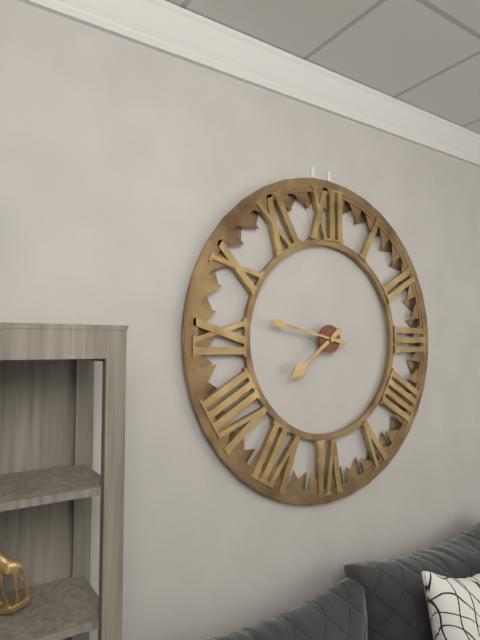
7:47
